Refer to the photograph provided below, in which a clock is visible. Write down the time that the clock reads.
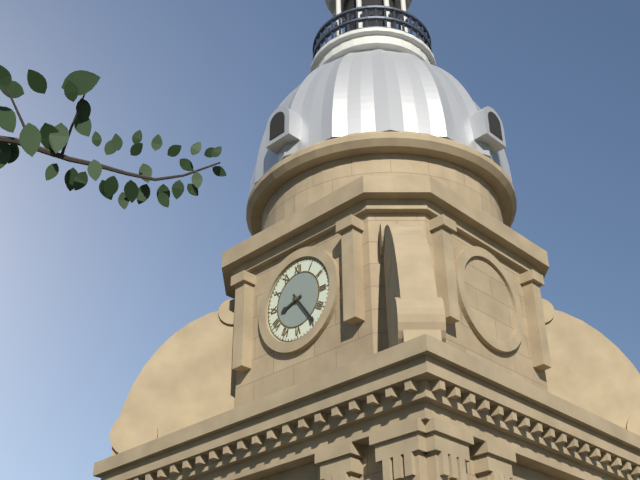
8:24
